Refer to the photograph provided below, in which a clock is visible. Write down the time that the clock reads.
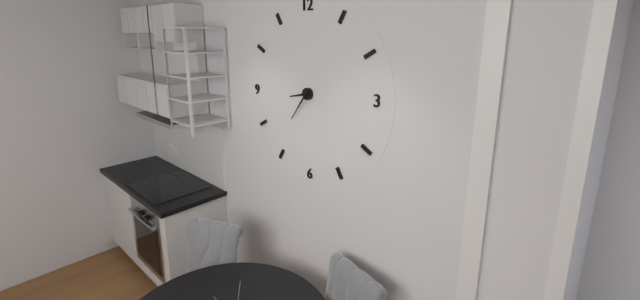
8:36
